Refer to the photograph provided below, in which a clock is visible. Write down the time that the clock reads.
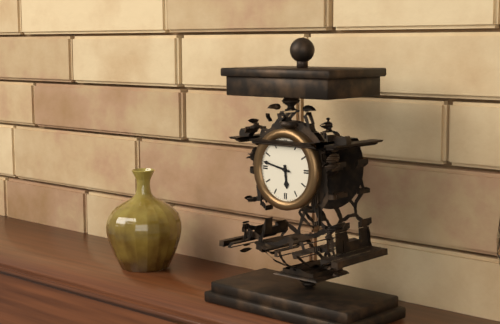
5:47
